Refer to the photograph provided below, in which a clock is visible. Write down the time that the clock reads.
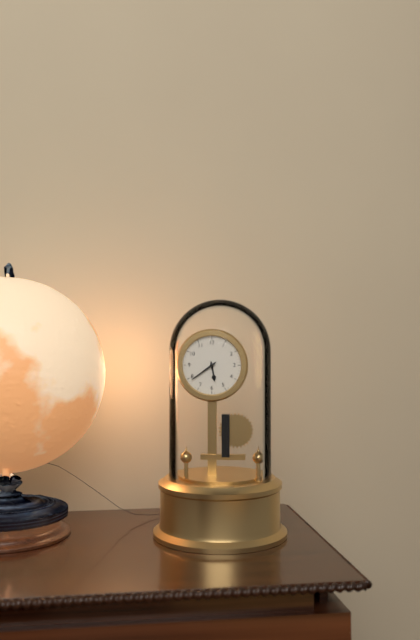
5:39
